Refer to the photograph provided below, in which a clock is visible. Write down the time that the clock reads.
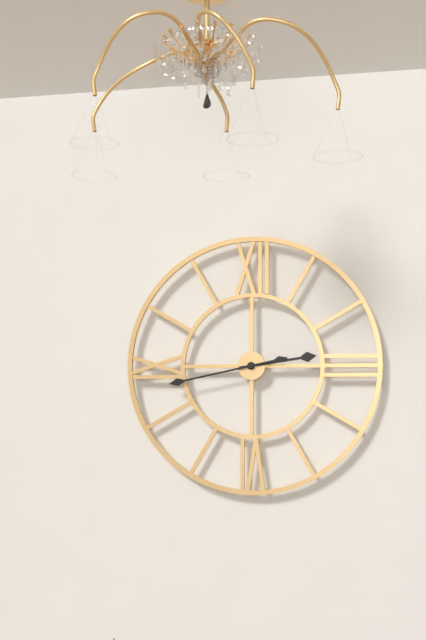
2:43
